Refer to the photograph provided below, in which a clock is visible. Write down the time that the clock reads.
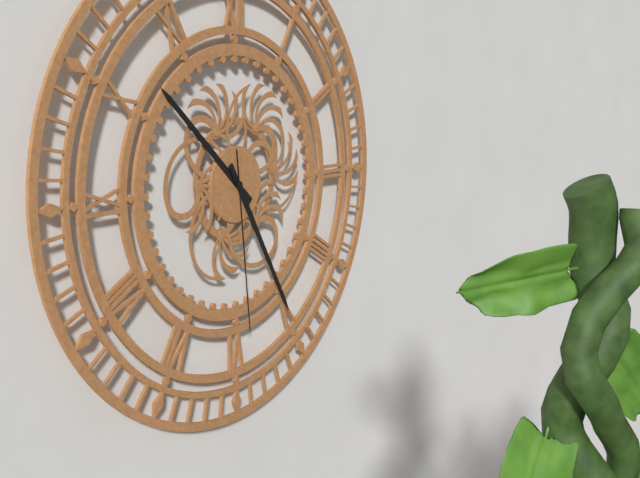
10:25:29
